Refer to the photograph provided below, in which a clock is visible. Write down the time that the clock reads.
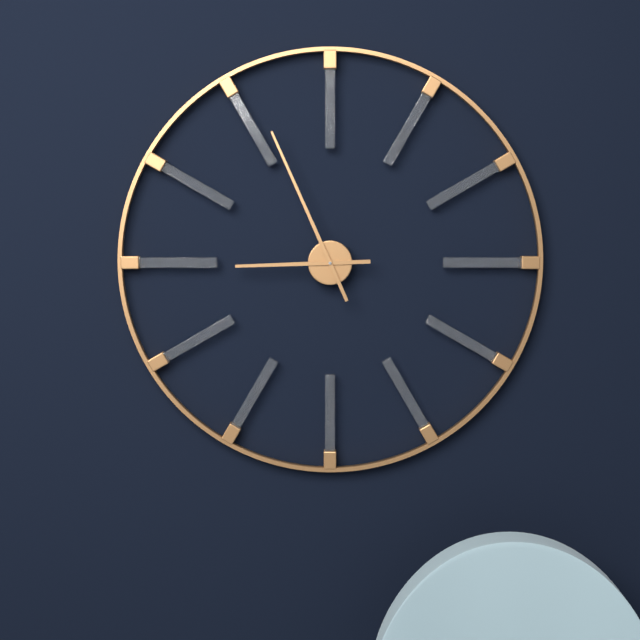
8:56
